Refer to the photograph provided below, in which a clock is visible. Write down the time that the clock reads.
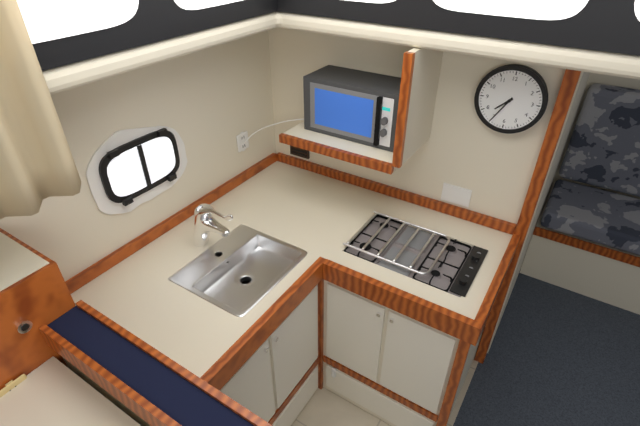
7:35
